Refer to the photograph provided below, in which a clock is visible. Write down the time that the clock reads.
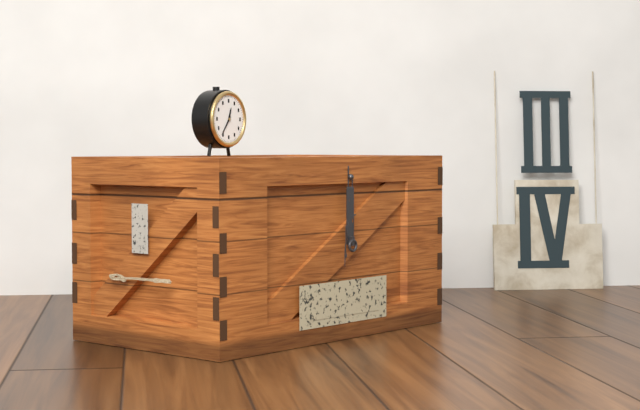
12:36
